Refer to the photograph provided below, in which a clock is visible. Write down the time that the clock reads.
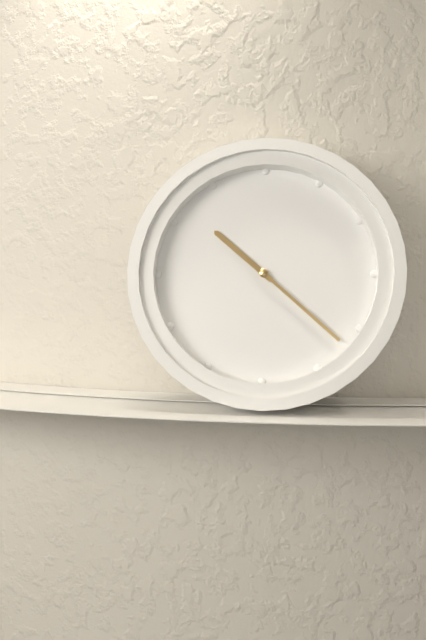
10:22
